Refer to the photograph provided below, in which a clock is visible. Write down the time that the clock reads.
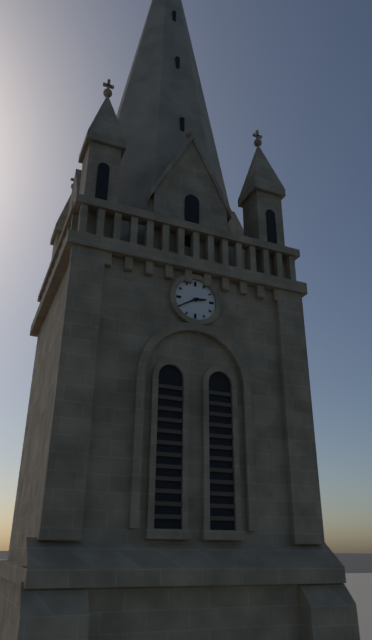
2:40
